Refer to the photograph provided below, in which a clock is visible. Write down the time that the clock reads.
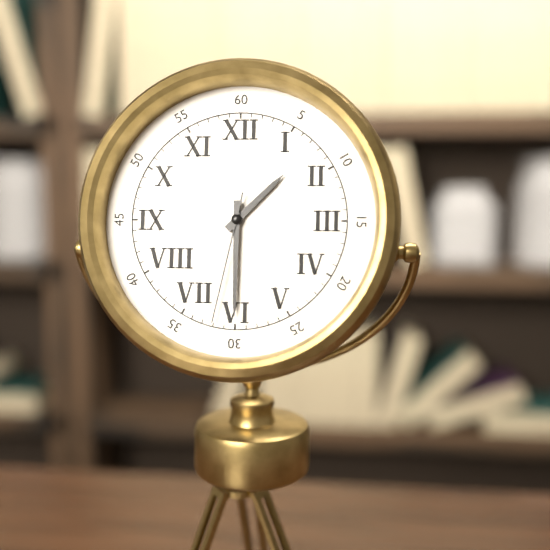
1:30:32
